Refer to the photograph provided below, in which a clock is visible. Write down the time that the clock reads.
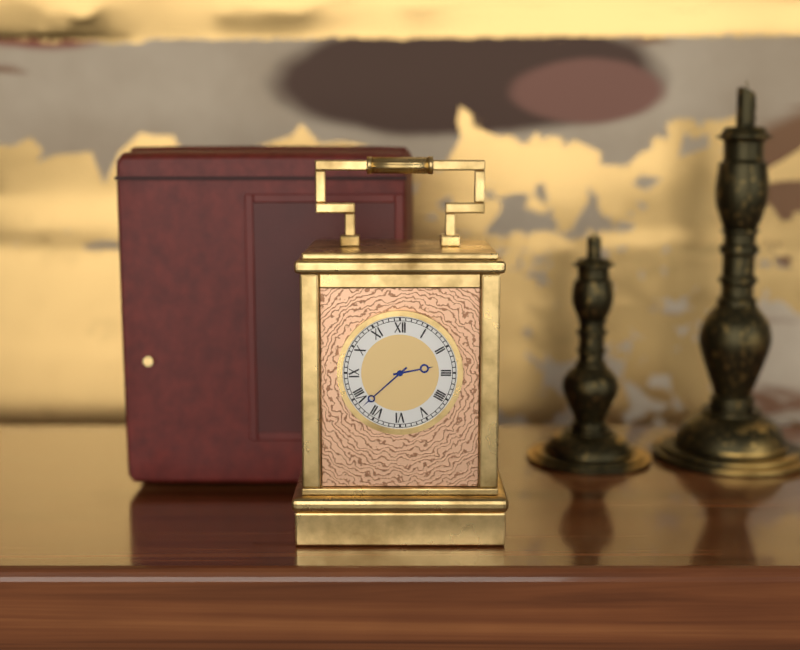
2:38
